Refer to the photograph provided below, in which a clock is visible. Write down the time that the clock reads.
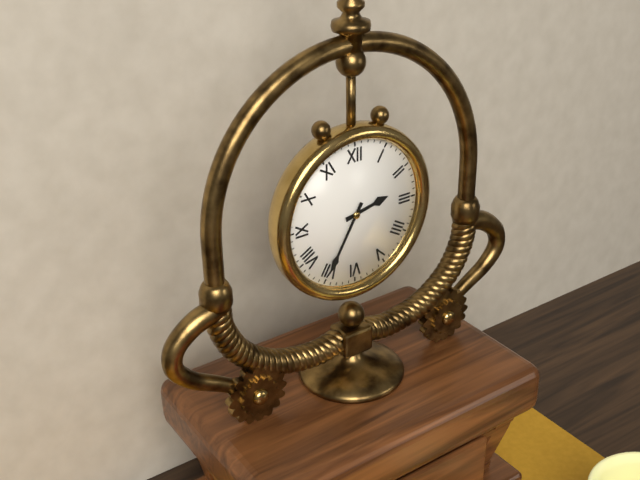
2:35
